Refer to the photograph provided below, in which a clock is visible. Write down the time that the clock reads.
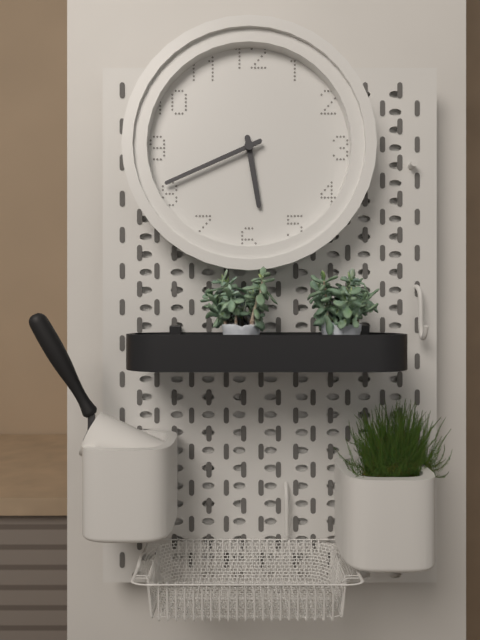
5:41
